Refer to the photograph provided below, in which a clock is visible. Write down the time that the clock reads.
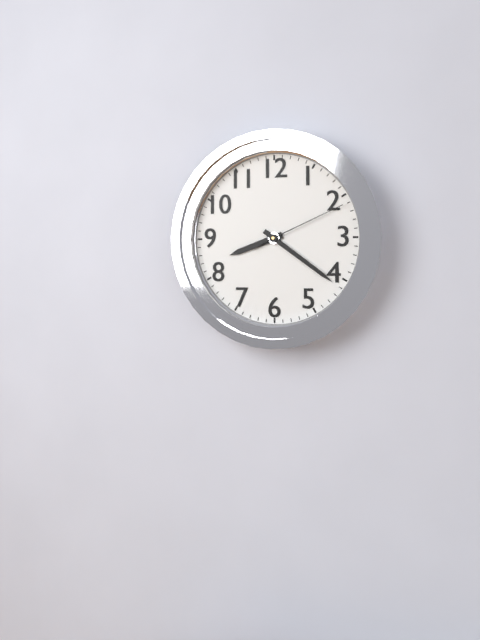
8:21:11
